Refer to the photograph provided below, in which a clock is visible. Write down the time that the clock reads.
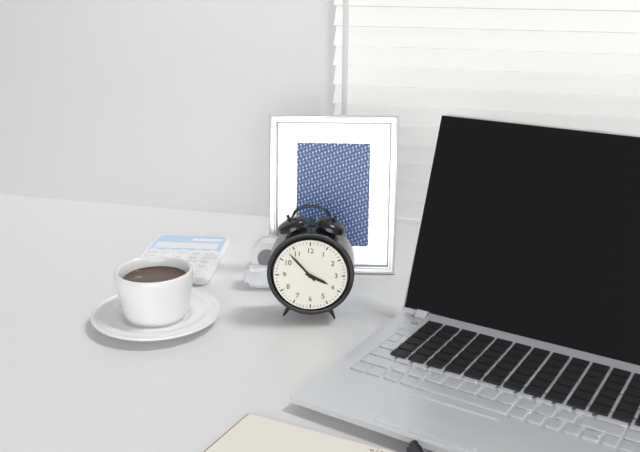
3:53
